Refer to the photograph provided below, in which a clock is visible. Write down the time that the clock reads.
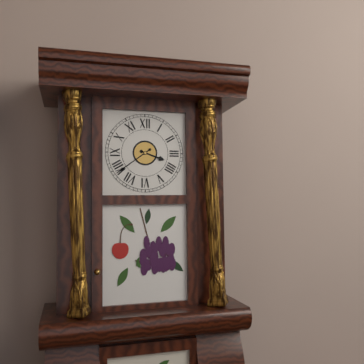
3:39
